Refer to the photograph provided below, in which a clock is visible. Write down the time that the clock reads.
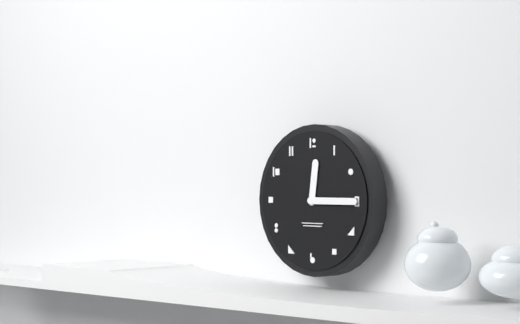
12:15
